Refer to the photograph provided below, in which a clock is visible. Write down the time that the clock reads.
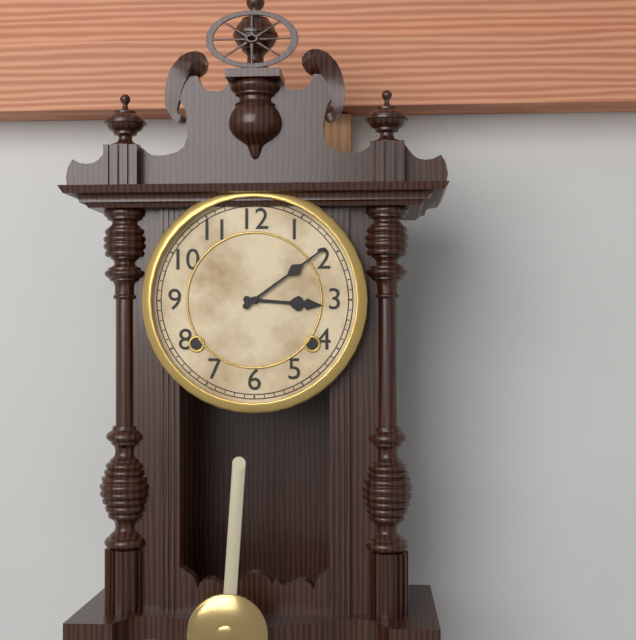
3:09
